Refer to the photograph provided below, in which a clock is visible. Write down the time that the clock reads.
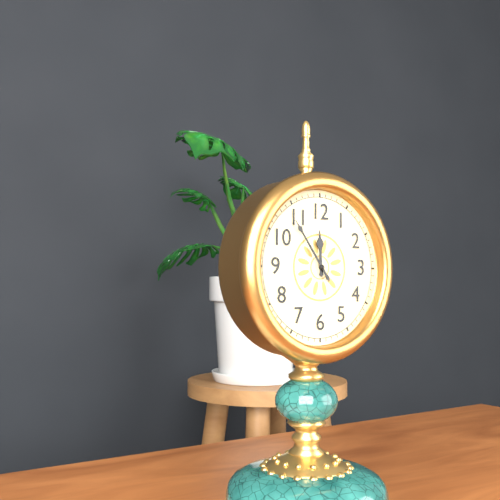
11:54
